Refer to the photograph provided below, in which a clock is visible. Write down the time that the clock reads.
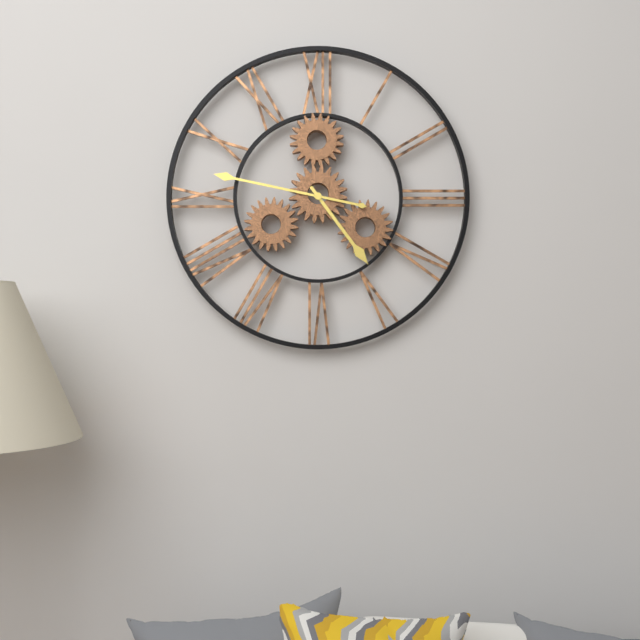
4:47
